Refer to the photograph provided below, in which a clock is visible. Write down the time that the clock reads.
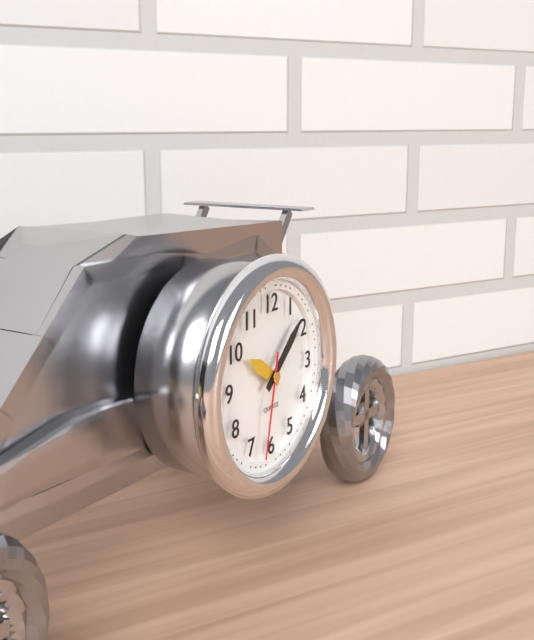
10:08:32
